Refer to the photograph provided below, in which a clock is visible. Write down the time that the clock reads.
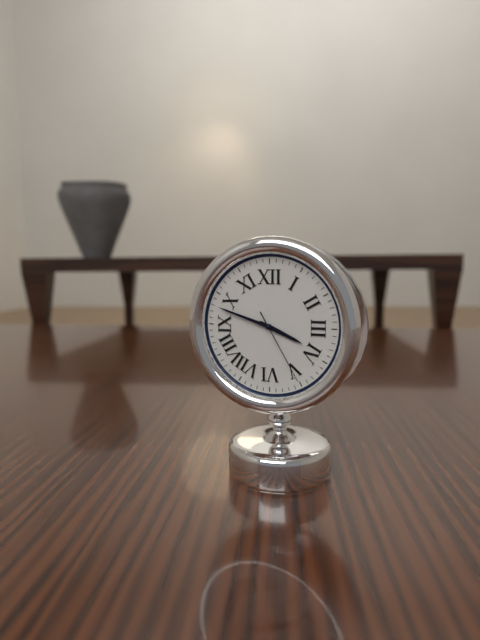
3:48:25
